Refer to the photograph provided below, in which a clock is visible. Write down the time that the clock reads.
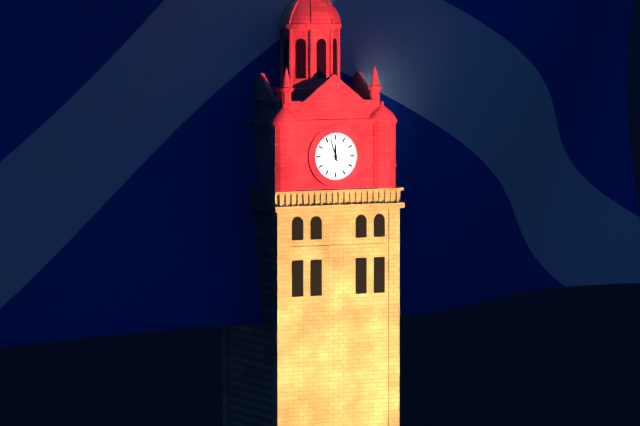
11:57
